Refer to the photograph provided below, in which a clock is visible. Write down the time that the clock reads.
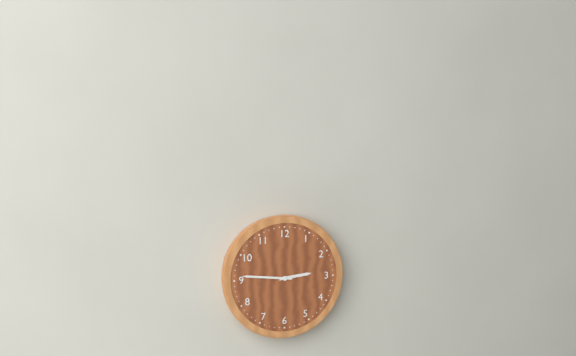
2:46
